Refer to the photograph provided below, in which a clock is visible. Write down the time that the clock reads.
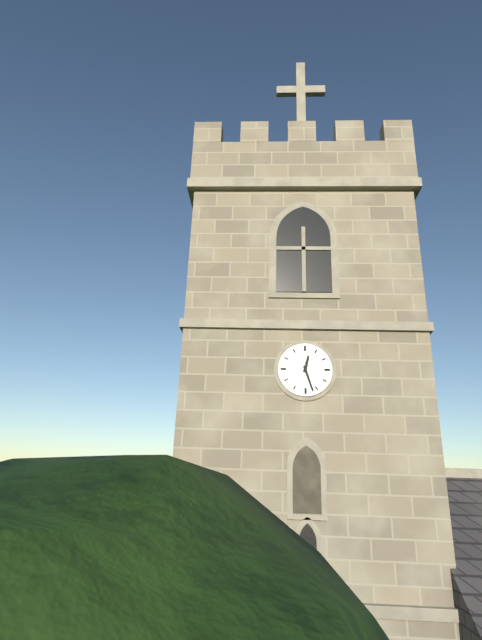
12:27
